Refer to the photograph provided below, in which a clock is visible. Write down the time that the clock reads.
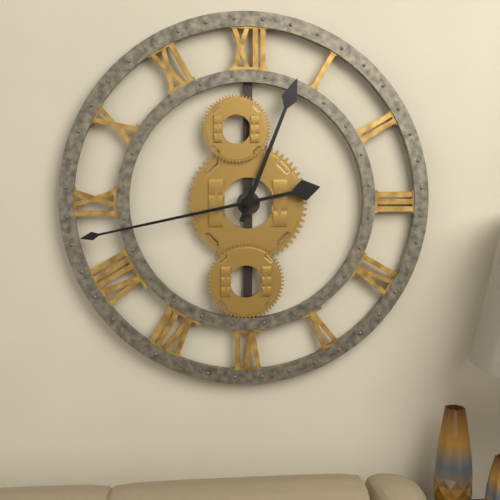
12:43
